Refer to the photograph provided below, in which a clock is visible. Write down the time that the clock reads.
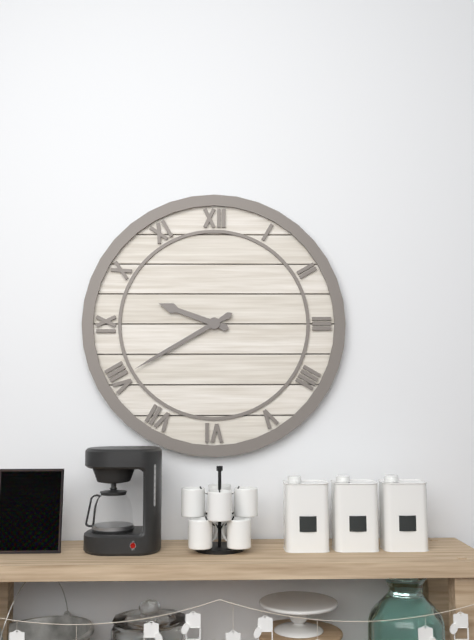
9:40
